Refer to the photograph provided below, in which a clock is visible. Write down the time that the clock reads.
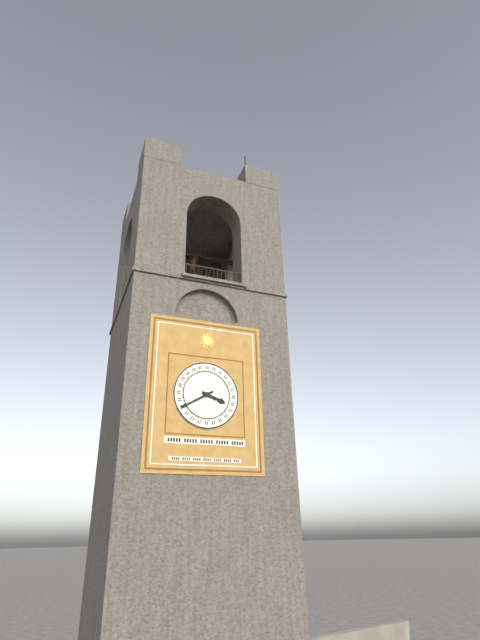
3:40
